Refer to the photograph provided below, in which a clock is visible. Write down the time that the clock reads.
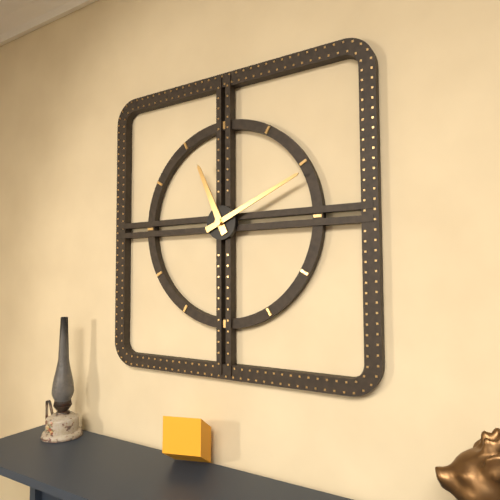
11:11
